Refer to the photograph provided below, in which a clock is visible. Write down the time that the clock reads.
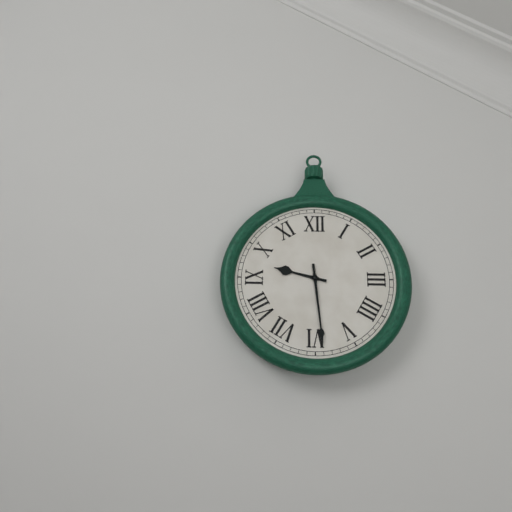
9:29
